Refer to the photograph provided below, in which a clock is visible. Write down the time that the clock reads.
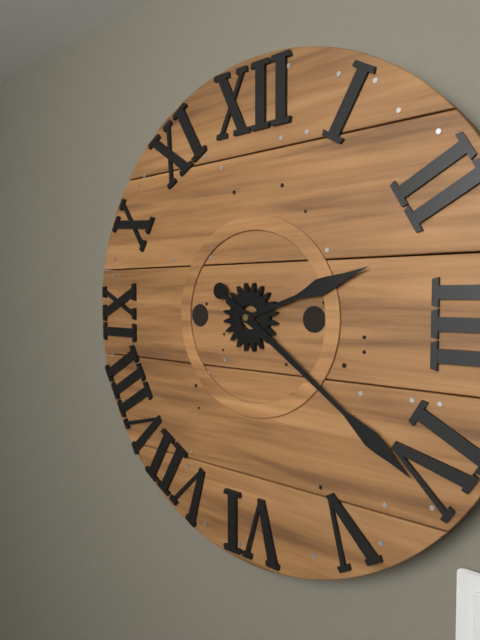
2:21
